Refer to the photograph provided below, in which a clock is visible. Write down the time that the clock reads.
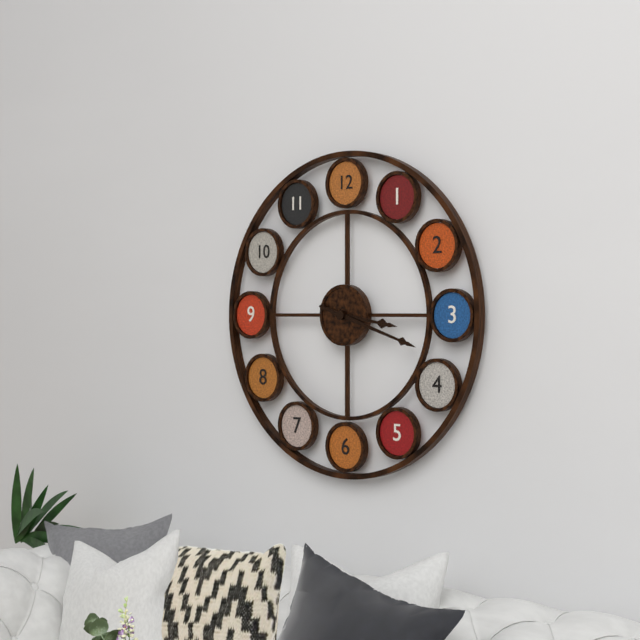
3:18
